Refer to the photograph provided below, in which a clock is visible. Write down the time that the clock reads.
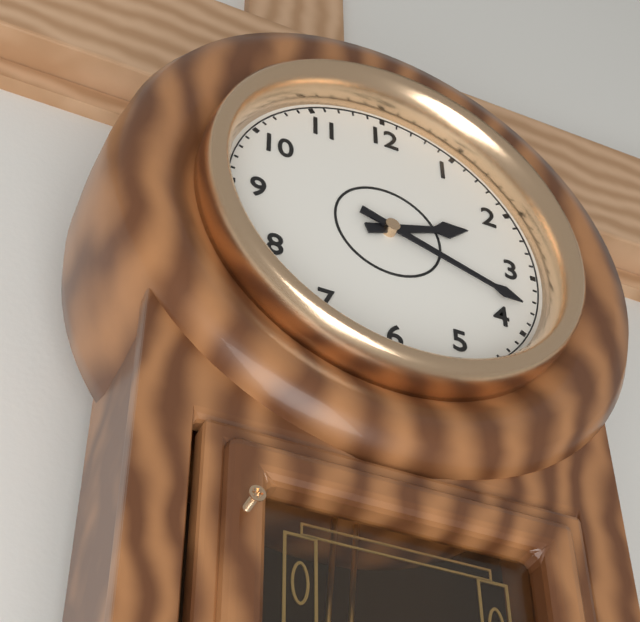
2:18
